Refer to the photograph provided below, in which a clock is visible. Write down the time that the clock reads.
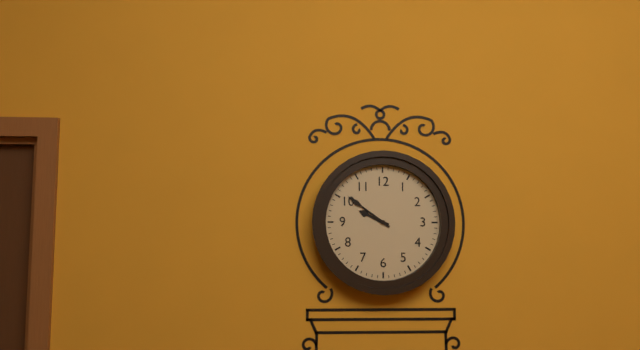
9:51
